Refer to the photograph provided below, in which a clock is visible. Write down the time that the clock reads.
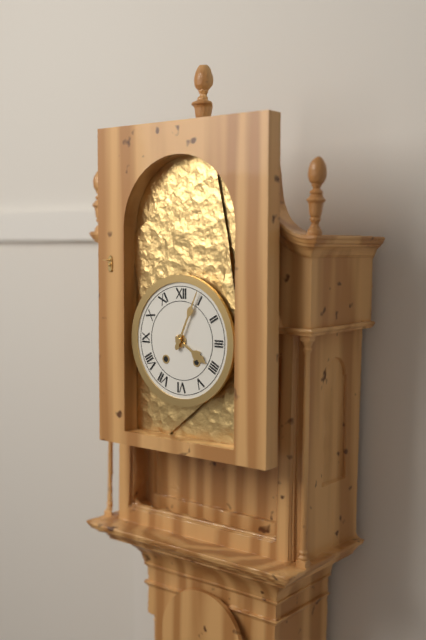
4:04
